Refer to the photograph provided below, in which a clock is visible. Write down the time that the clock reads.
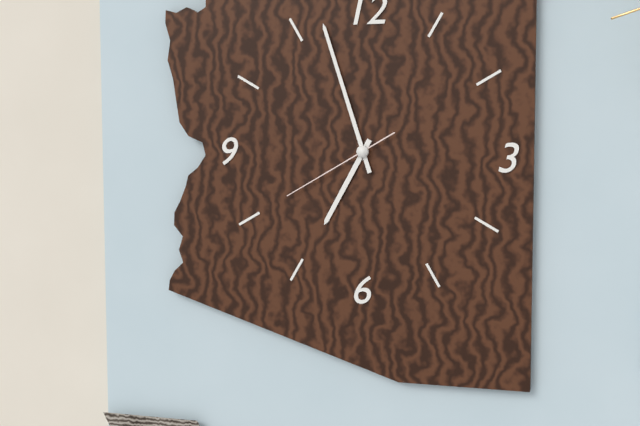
6:57:40
